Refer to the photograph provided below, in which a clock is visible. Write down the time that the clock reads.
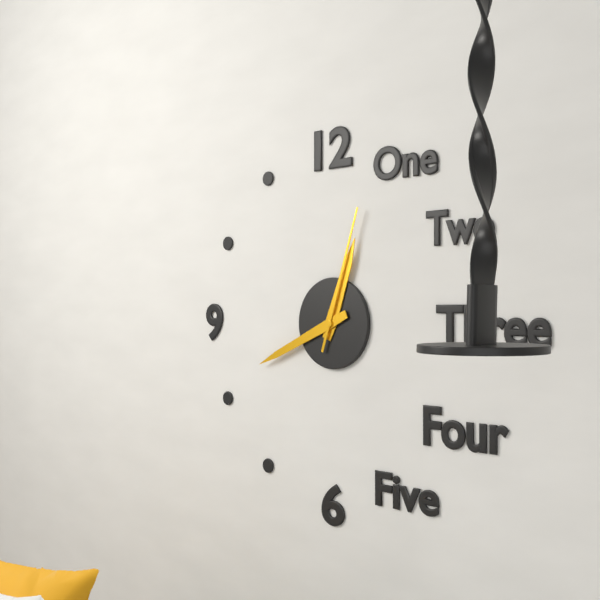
12:41:03
